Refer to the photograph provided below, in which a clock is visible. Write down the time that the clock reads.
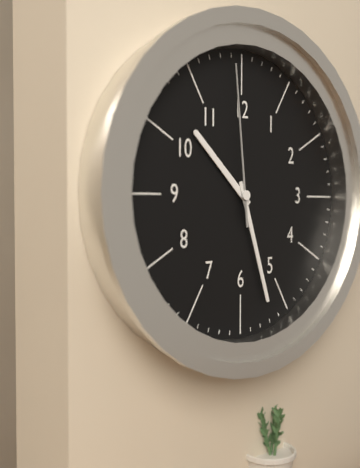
10:27:59
